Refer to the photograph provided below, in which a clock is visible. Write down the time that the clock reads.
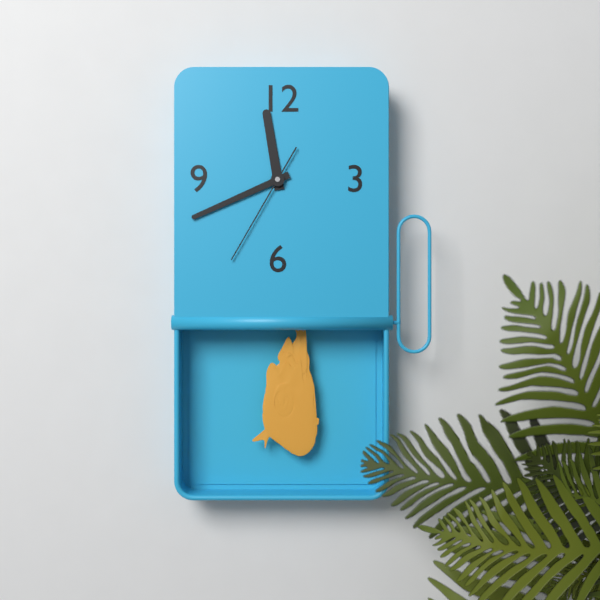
11:41:35
